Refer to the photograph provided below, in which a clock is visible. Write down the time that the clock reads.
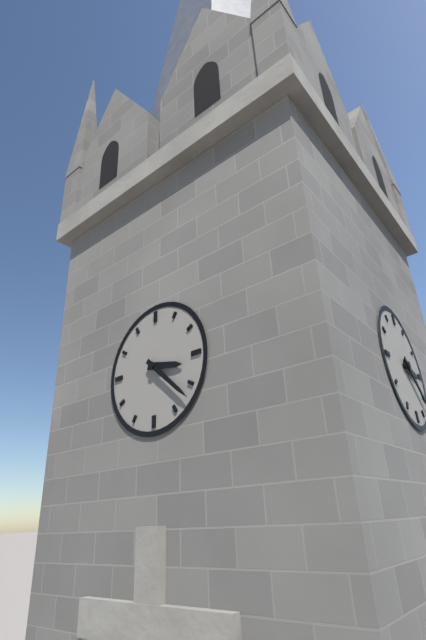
3:22
